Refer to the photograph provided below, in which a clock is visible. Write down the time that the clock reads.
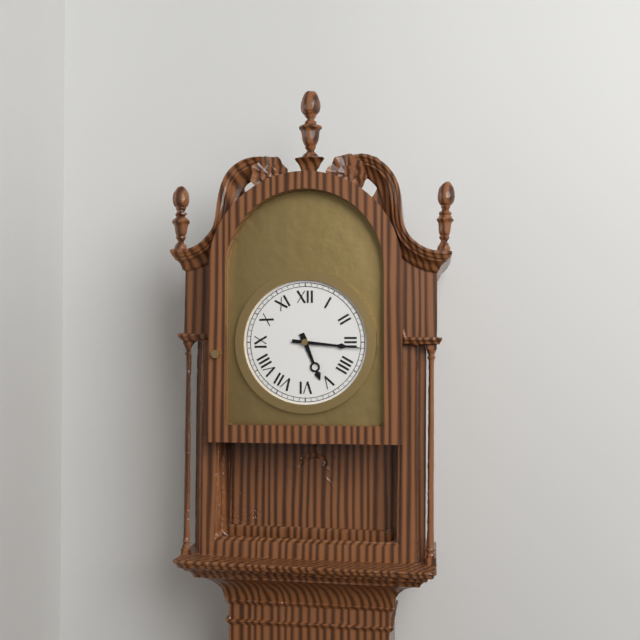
5:16
